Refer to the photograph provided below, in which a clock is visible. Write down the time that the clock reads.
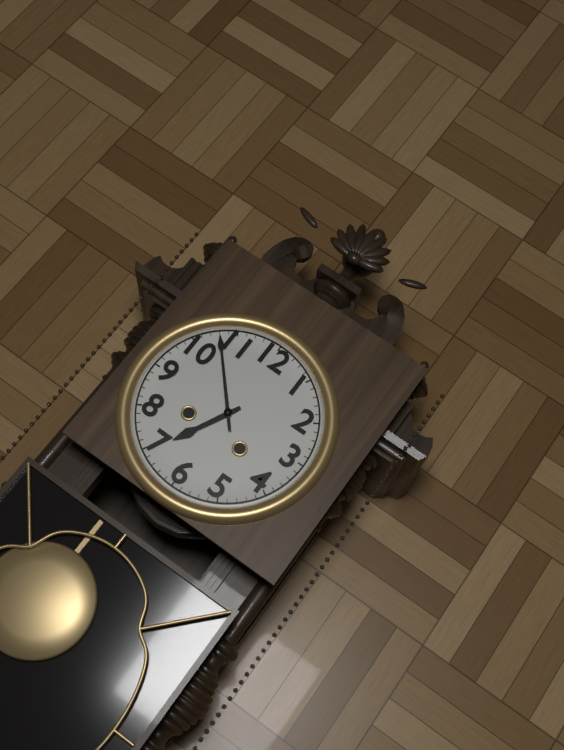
6:53
